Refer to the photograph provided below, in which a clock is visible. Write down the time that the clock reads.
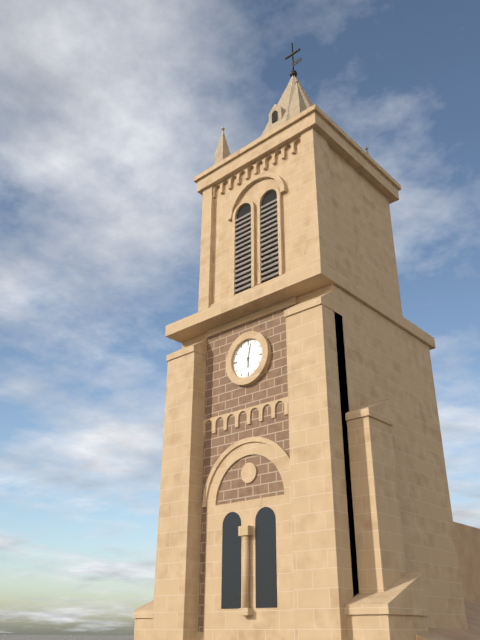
6:02
